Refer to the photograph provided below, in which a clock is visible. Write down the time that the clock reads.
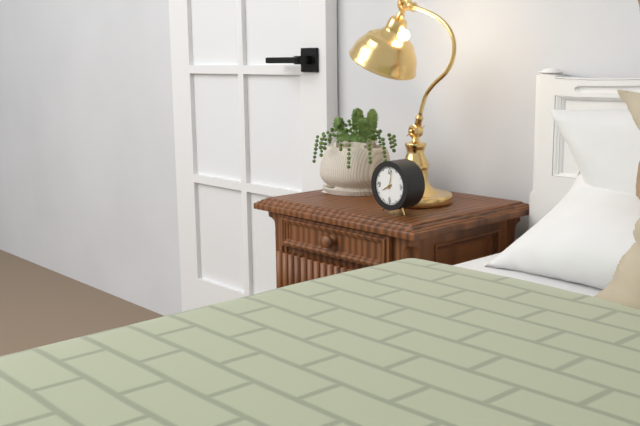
8:02
